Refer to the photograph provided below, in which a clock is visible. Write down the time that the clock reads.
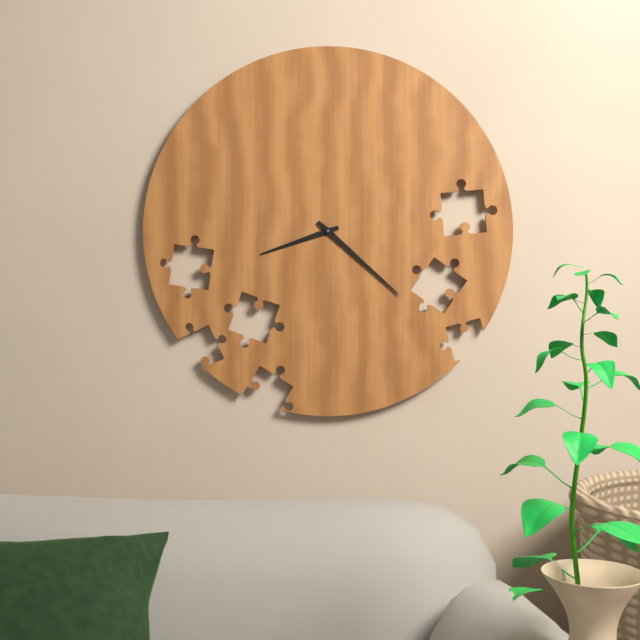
8:22
